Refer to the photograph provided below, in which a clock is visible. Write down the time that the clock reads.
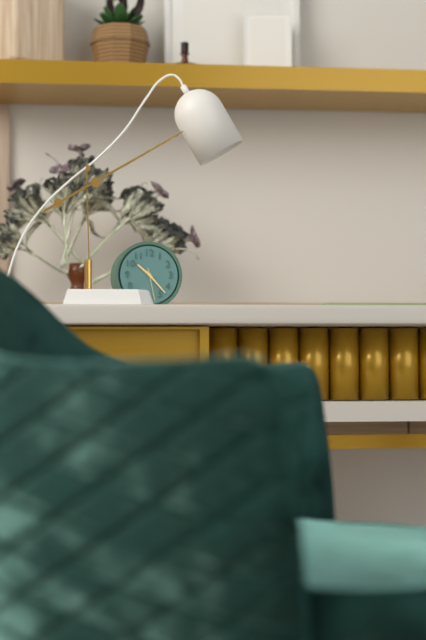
10:23
